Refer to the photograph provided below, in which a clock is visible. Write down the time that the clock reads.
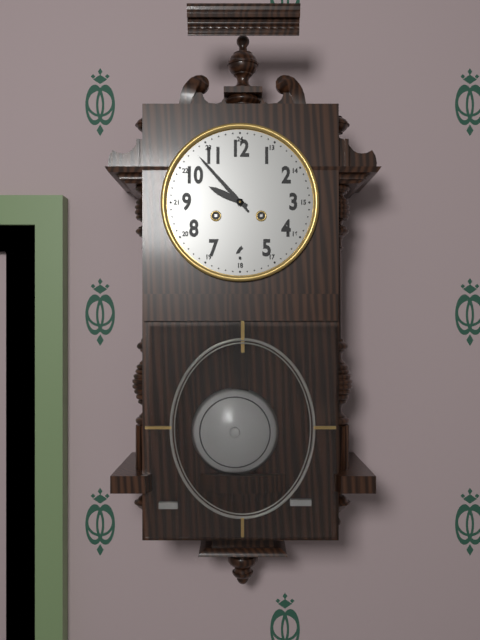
9:53
